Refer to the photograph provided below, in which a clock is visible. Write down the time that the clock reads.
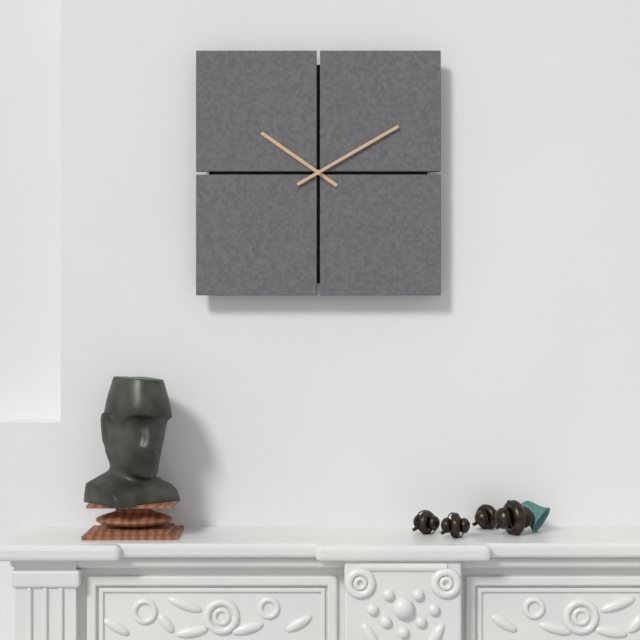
10:10
